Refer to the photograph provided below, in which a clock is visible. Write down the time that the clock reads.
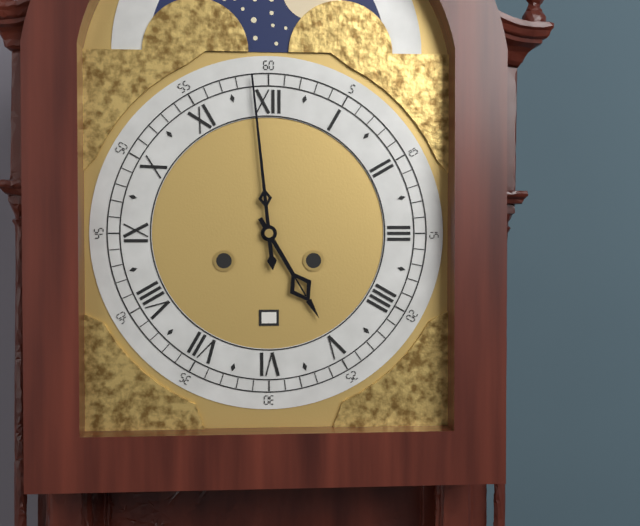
4:59
